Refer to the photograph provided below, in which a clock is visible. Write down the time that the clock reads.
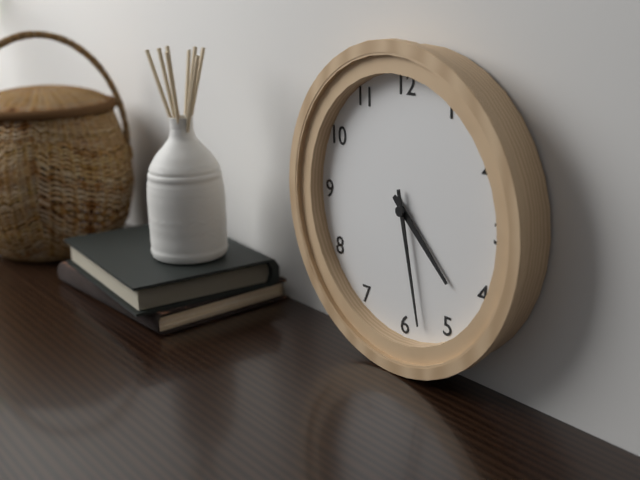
4:28
